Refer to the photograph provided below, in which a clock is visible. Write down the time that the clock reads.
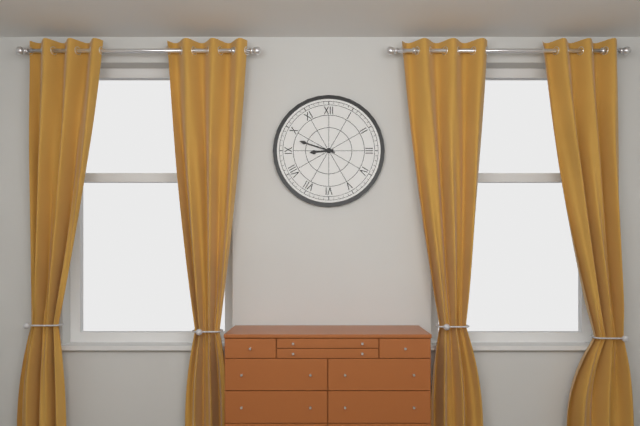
8:48
